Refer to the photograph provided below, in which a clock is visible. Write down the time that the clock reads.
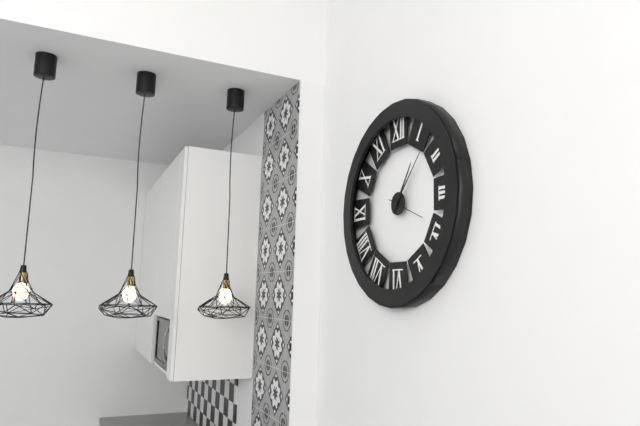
1:07
